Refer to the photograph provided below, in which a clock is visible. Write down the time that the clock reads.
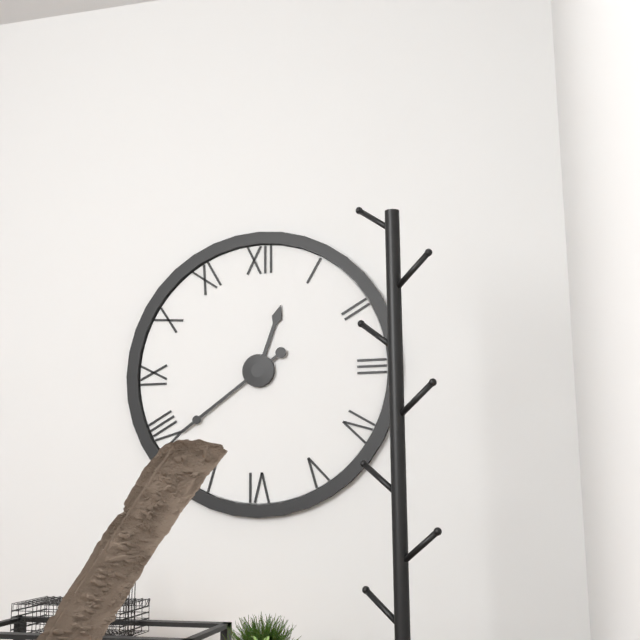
12:39
